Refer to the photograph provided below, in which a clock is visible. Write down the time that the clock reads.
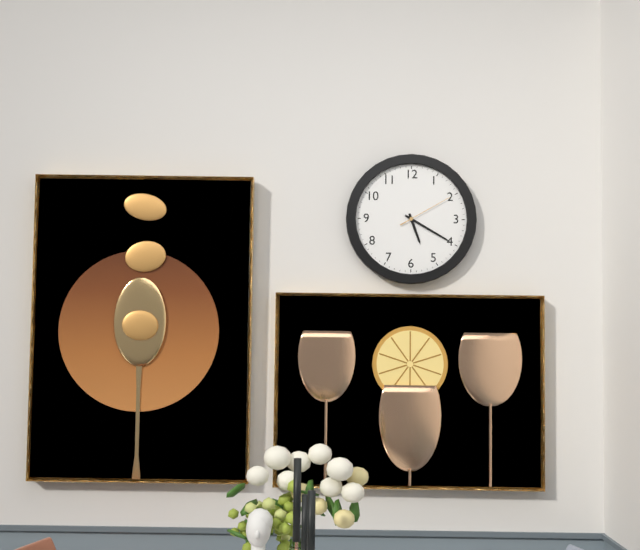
5:20:10
